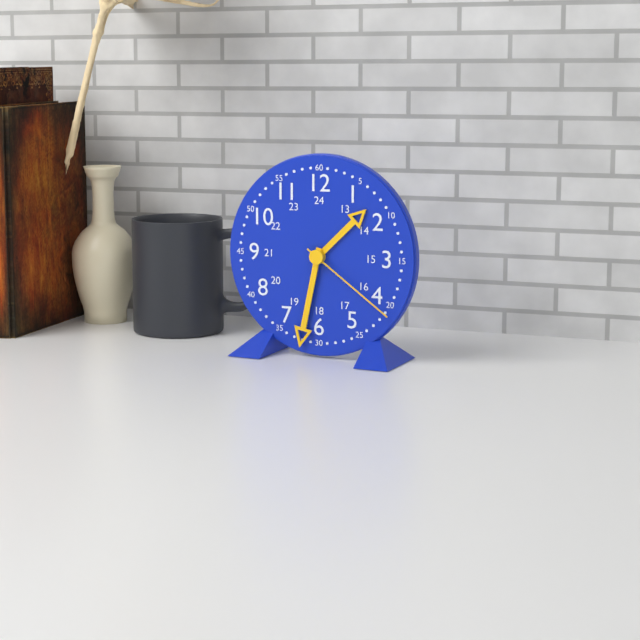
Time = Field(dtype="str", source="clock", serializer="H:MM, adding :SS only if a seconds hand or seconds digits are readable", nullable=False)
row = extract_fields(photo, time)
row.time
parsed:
1:32:21
